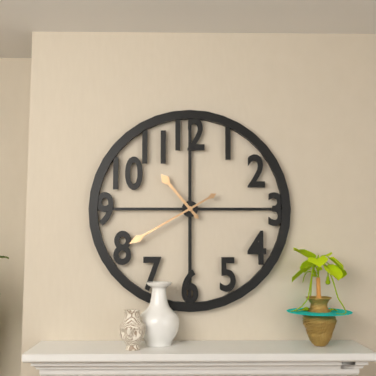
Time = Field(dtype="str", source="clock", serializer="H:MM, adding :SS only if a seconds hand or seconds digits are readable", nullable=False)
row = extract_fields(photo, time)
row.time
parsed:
10:40
